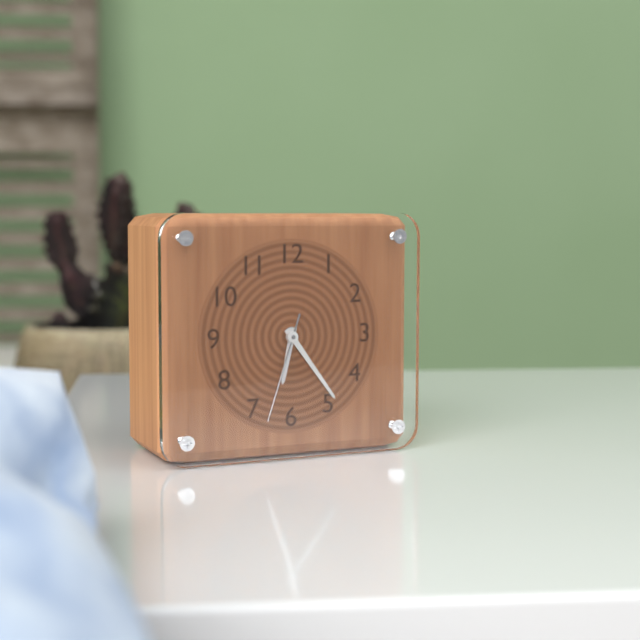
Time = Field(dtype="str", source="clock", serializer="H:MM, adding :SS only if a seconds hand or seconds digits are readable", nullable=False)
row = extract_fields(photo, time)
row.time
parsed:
6:24:33
